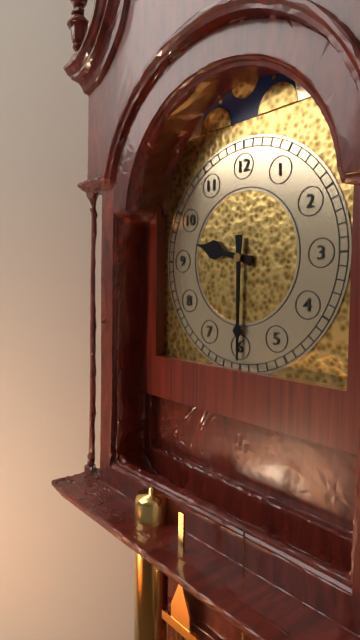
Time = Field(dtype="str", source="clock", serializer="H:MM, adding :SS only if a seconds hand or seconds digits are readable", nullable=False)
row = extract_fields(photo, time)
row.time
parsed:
9:30
